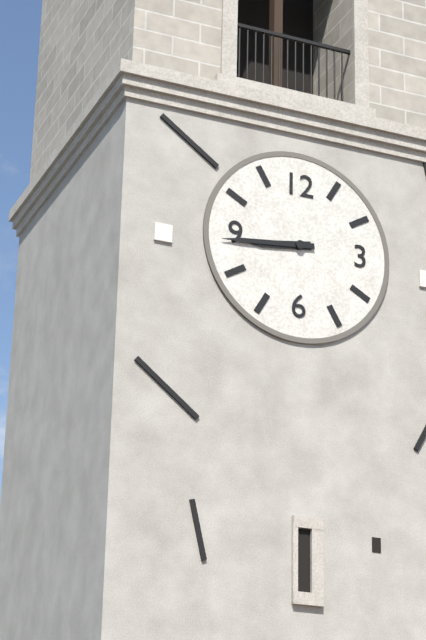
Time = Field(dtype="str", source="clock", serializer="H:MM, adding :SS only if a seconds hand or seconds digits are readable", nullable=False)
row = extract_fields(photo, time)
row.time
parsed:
8:44
